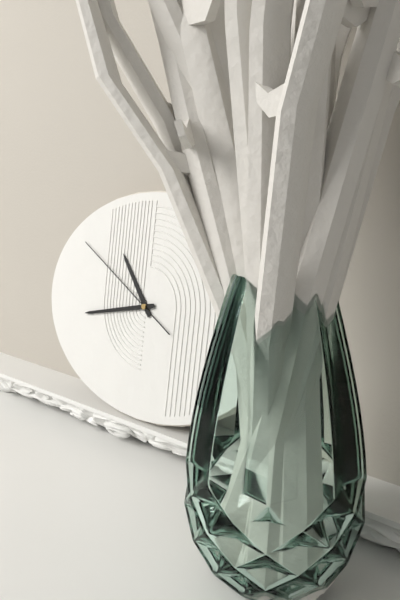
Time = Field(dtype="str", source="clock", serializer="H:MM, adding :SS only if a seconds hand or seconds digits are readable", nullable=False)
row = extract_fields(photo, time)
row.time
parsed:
10:43:50
